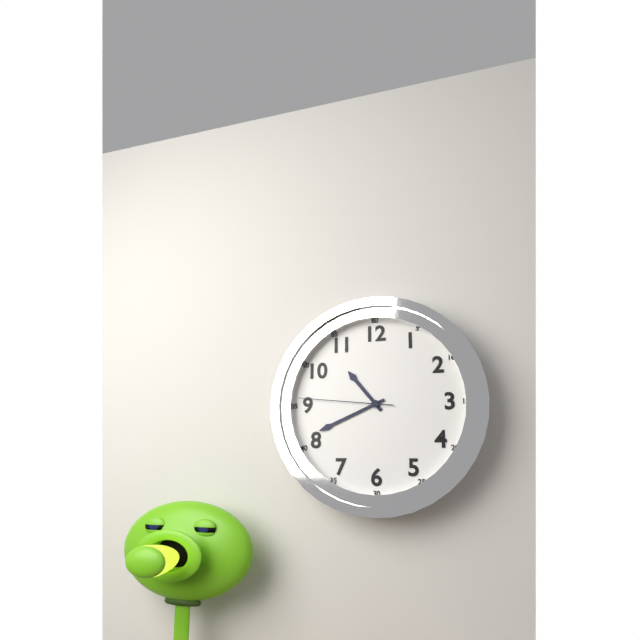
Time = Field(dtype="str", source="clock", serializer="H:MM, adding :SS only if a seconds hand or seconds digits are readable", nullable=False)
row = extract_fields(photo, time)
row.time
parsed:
10:41:46
